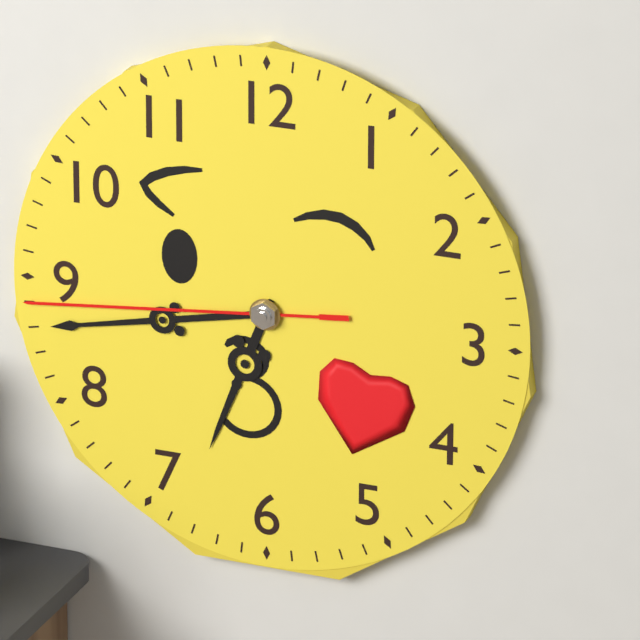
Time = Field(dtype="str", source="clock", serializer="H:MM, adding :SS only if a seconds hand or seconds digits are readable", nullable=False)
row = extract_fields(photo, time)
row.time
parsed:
6:43:44
